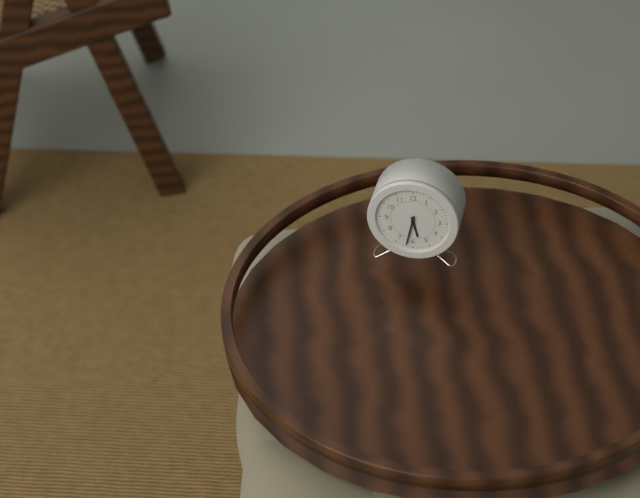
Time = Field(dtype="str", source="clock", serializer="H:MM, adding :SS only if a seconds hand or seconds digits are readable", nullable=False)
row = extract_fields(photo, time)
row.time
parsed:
5:32
